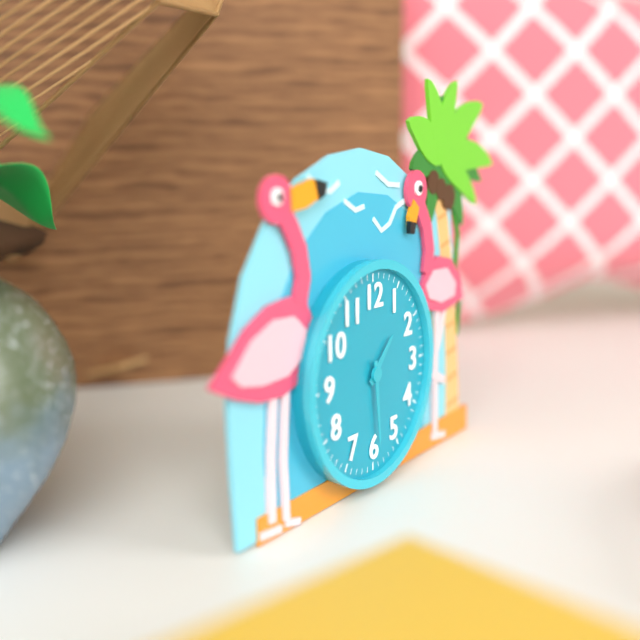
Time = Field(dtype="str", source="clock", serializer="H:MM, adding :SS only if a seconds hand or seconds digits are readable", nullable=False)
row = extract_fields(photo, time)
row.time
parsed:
1:29
